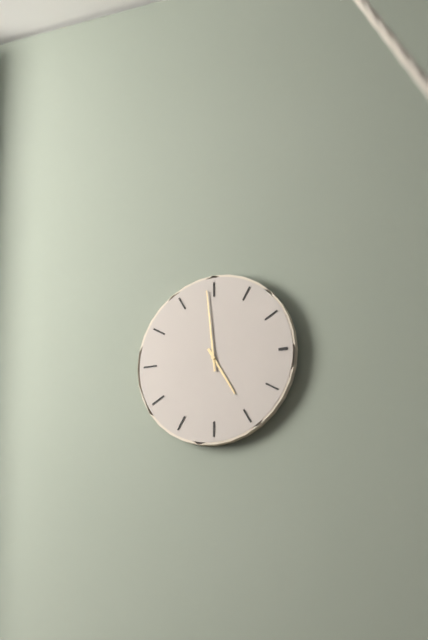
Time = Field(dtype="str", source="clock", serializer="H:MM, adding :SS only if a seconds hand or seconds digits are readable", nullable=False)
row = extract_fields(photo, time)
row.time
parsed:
4:59
